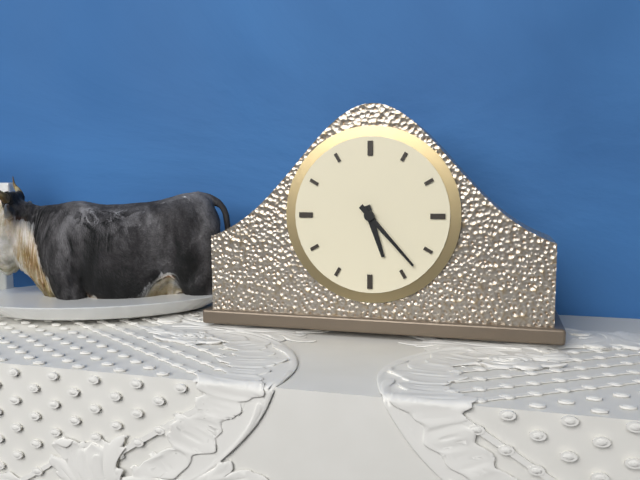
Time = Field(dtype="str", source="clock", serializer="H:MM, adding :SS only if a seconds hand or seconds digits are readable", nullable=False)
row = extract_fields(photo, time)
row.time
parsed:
5:23
